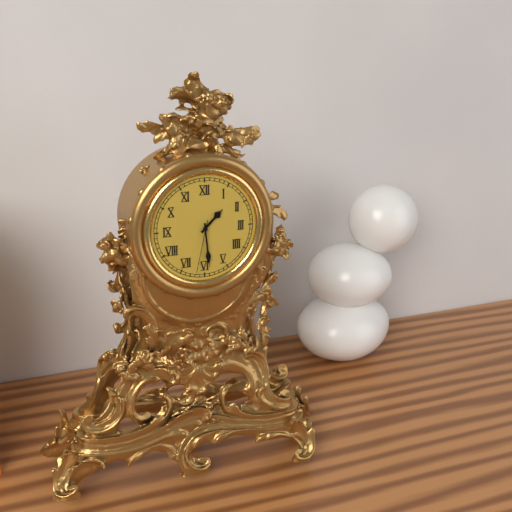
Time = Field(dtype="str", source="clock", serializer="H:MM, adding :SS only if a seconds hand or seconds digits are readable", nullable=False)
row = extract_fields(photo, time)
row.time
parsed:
1:29:32
